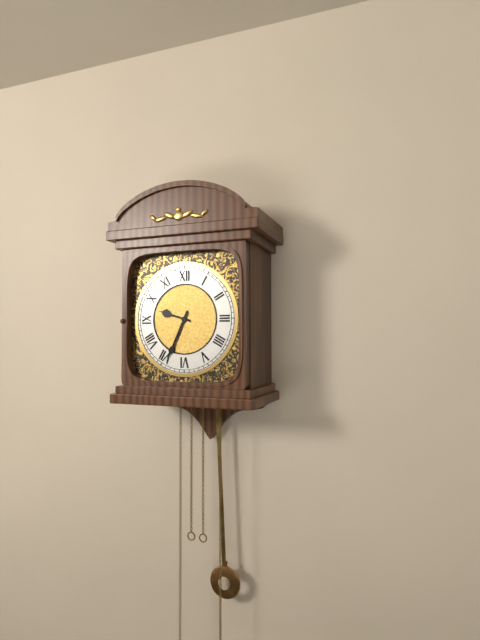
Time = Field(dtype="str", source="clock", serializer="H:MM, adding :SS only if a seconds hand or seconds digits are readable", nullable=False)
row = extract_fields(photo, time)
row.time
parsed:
9:34
